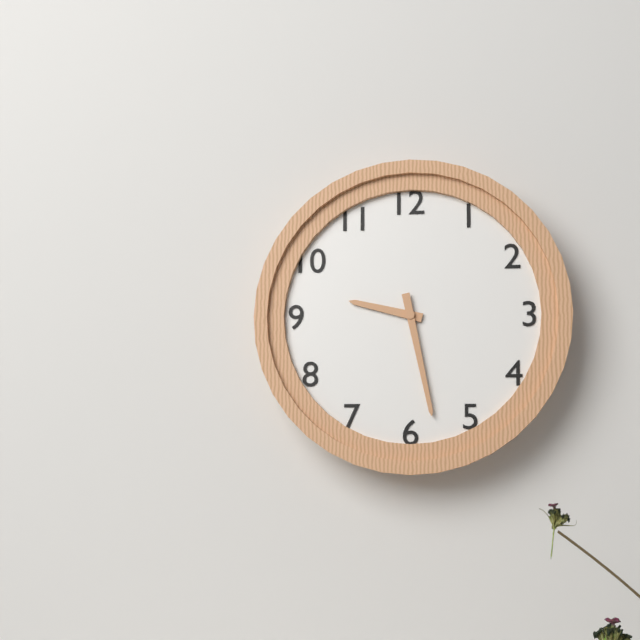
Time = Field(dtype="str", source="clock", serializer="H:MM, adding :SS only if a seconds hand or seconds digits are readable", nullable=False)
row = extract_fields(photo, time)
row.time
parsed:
9:28
